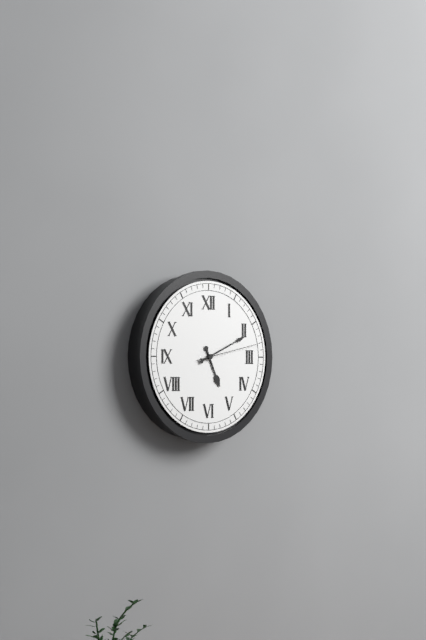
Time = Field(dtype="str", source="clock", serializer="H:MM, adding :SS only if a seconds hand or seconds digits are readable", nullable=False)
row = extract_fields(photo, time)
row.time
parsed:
5:11:13
